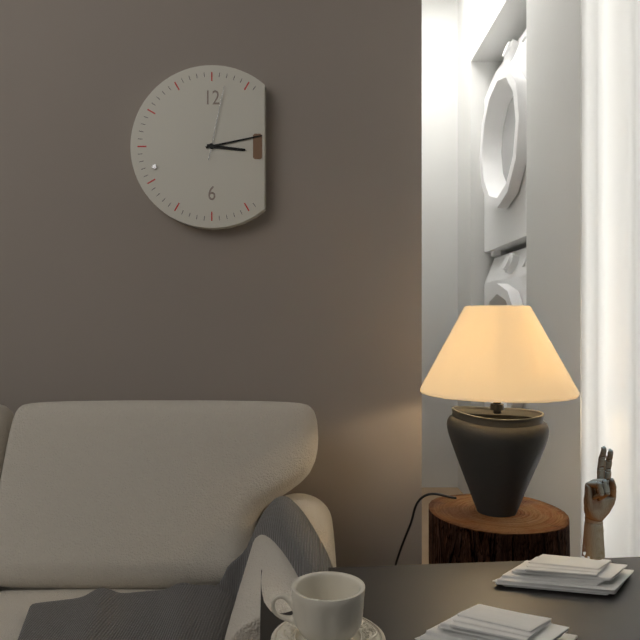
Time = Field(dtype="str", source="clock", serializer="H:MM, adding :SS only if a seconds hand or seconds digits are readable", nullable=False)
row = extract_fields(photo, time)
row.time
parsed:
3:13:02
